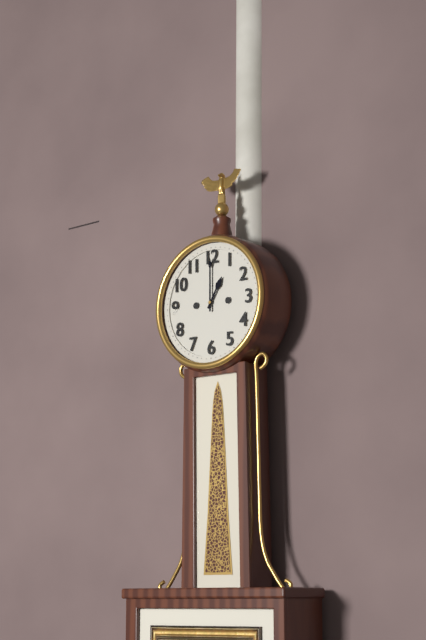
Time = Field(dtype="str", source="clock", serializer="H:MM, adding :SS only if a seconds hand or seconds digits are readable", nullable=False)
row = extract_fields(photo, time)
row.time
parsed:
1:00
